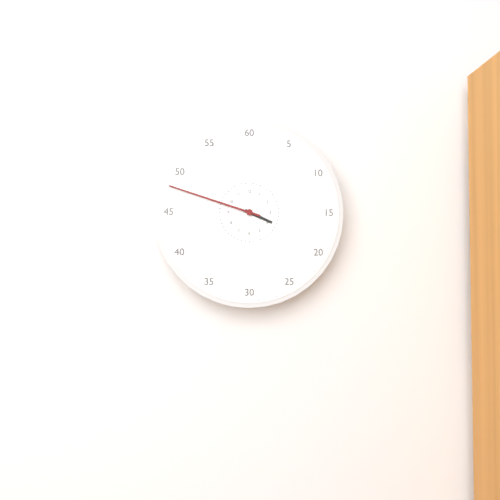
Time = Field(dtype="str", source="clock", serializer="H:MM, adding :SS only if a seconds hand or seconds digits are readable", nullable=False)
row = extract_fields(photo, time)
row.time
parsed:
3:48
